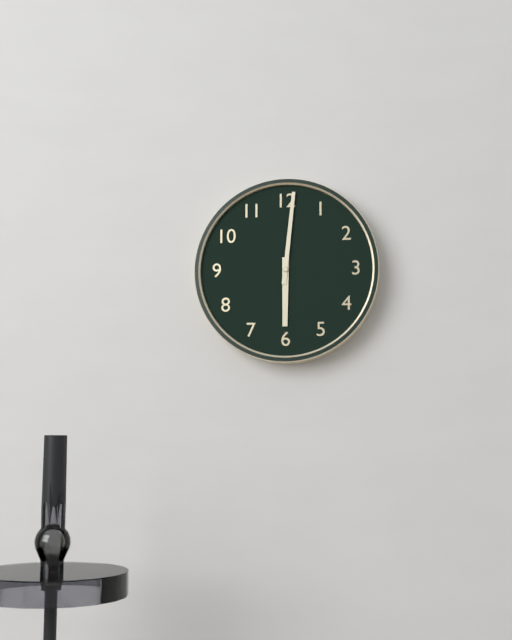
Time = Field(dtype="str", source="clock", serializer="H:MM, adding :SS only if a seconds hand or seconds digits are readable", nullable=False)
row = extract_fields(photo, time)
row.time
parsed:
6:01
